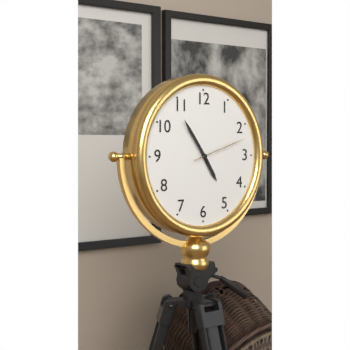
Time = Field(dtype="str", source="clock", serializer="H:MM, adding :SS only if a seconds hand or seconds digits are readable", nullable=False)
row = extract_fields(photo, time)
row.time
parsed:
4:54:12
